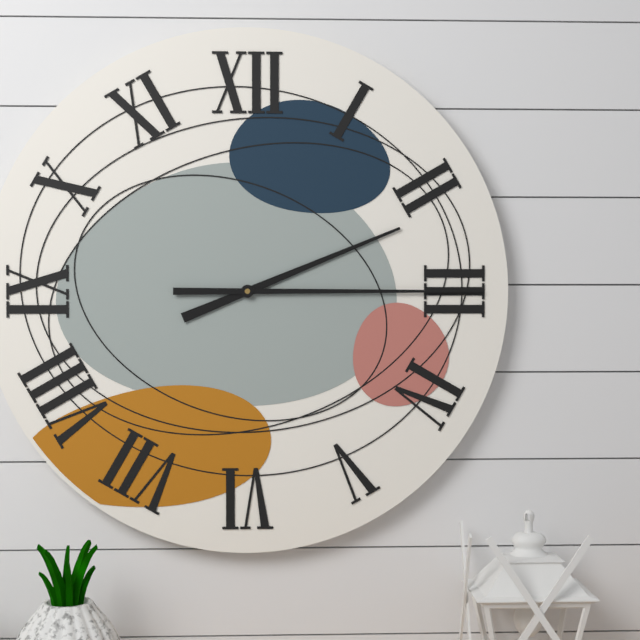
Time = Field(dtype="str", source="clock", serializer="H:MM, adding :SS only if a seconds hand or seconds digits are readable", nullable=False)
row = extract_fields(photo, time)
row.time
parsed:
2:15
